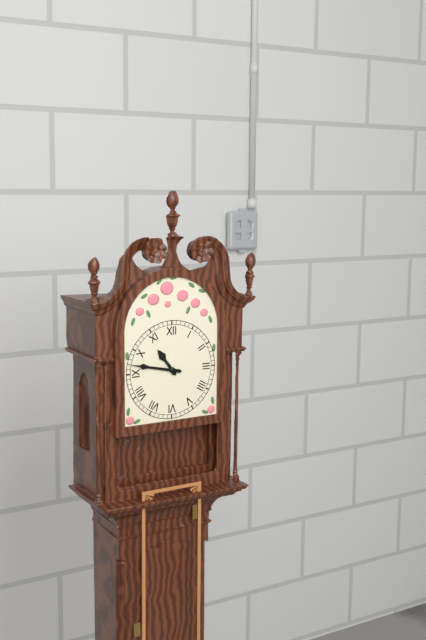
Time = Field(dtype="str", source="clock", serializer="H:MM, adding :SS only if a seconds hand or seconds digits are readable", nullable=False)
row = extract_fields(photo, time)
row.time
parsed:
10:47
